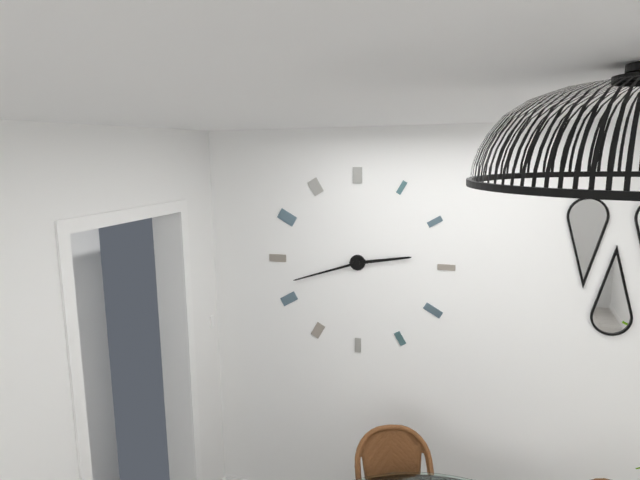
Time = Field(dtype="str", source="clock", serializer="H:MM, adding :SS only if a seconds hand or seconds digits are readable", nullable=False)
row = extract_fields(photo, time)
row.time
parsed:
2:42
